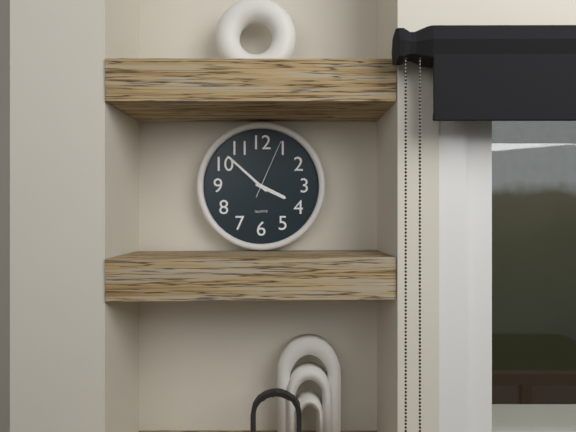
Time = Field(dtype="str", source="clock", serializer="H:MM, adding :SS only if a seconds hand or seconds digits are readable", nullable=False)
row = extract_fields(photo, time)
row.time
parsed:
3:52:04
